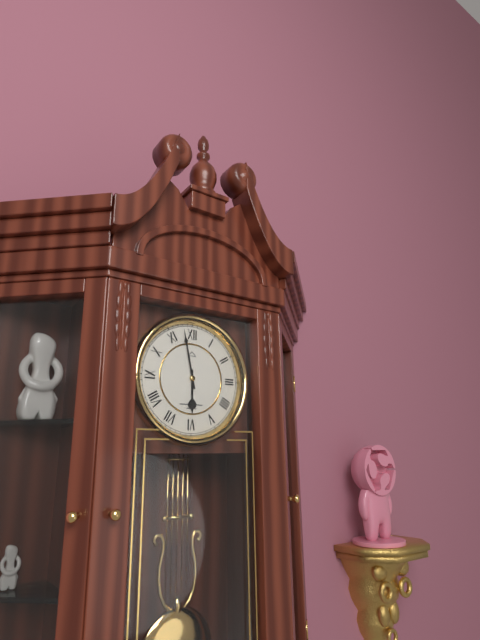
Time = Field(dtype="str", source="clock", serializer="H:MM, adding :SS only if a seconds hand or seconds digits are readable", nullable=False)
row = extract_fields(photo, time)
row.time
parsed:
5:58
